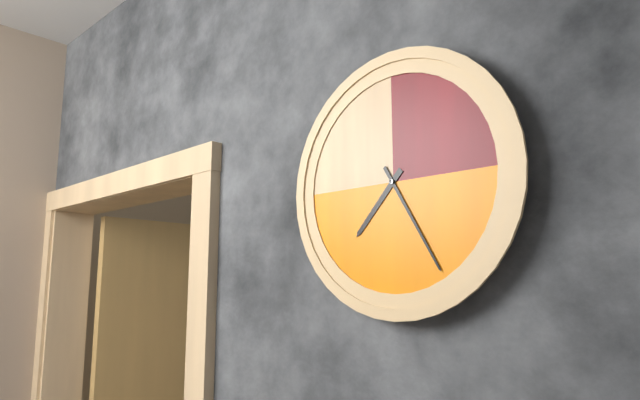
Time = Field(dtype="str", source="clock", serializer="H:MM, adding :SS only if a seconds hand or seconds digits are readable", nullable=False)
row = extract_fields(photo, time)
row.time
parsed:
7:25
